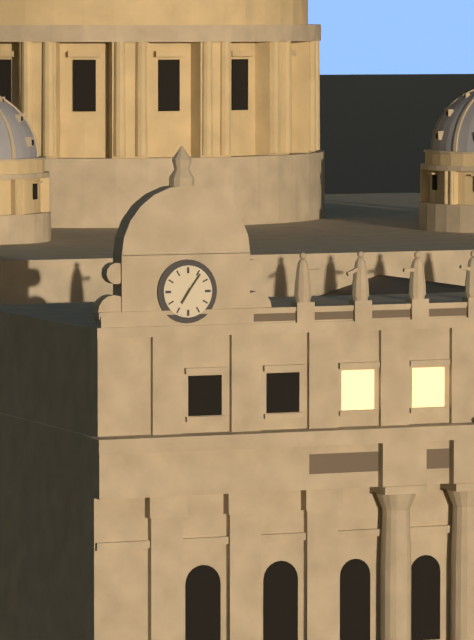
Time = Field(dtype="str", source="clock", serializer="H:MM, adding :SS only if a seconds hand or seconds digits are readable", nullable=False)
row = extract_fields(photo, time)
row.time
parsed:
7:06
